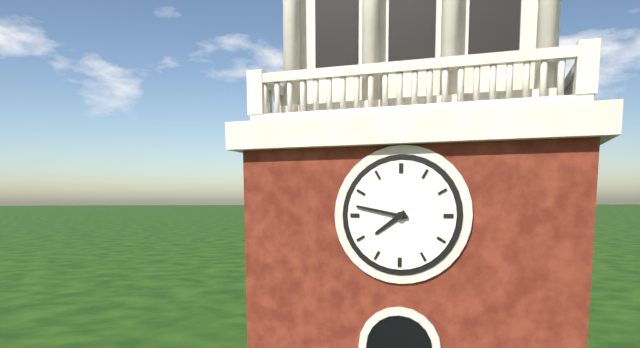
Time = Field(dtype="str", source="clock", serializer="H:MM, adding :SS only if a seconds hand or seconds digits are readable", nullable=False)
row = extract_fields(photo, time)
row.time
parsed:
7:47
